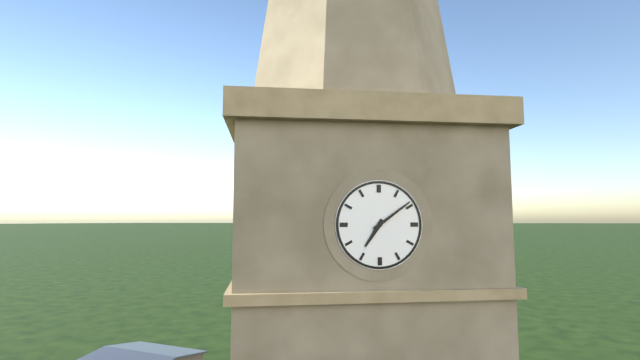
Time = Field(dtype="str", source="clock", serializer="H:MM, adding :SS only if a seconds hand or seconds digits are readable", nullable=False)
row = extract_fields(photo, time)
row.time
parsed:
7:09
